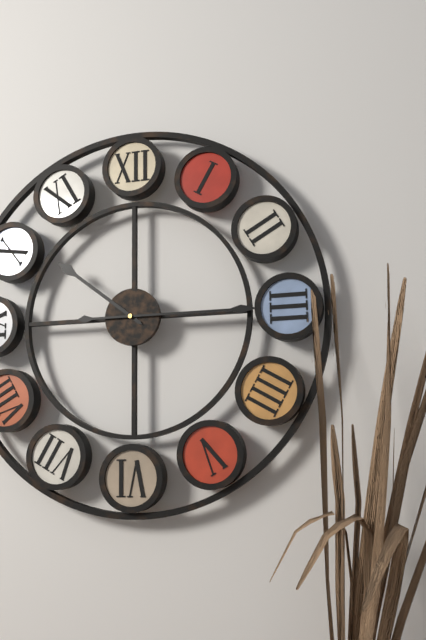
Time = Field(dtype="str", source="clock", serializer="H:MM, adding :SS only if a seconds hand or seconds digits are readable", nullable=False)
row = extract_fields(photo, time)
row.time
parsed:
10:15
